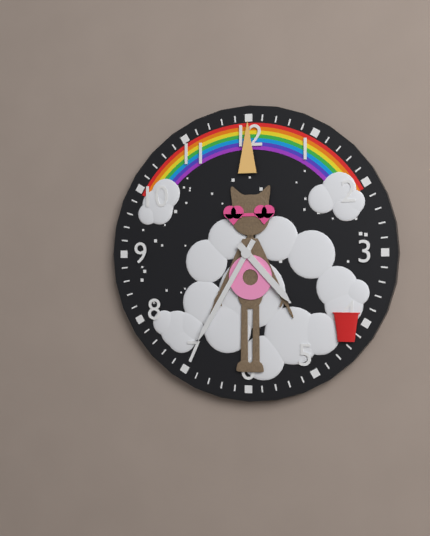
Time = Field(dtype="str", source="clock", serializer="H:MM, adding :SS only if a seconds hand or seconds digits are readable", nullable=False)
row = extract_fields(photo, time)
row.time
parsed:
4:35
